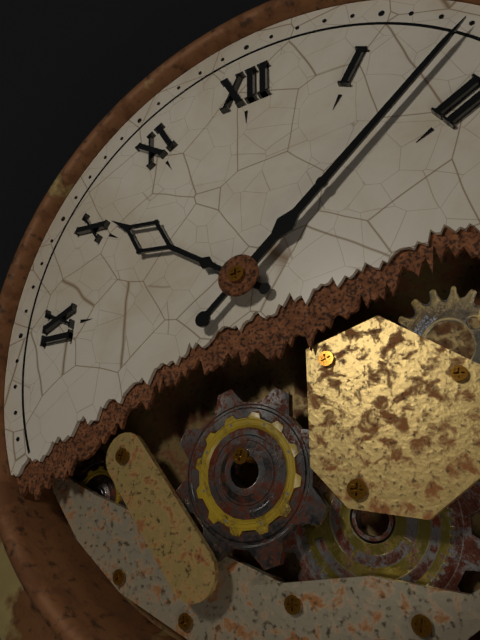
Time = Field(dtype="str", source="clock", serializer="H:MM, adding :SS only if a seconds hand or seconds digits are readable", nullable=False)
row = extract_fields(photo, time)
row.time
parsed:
10:08
